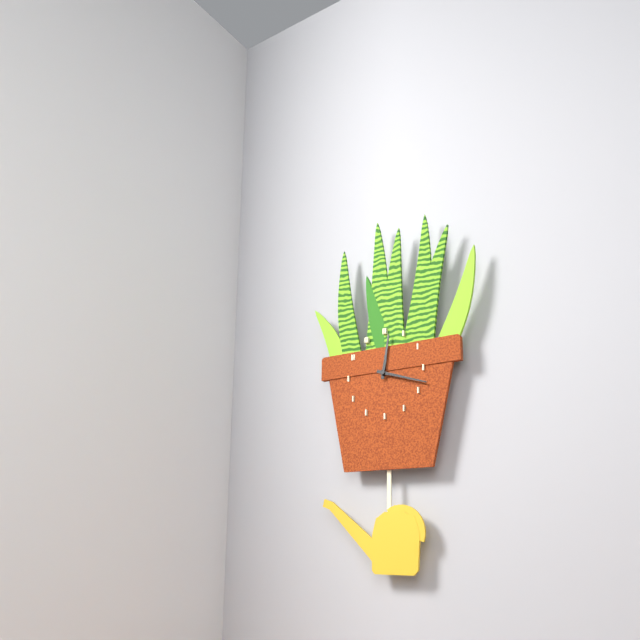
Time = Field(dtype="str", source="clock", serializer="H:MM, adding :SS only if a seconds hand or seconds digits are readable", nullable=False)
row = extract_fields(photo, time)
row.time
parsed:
12:18
